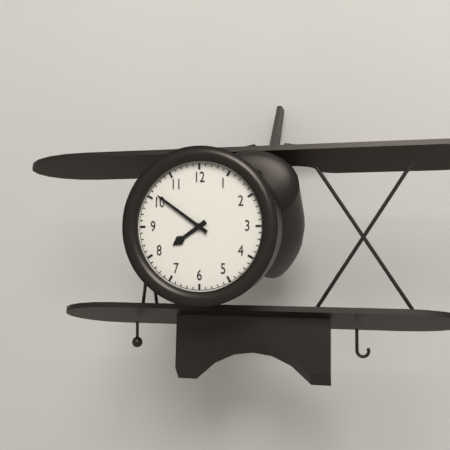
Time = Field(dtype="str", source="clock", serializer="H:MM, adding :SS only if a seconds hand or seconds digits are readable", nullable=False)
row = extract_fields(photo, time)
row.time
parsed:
7:51
